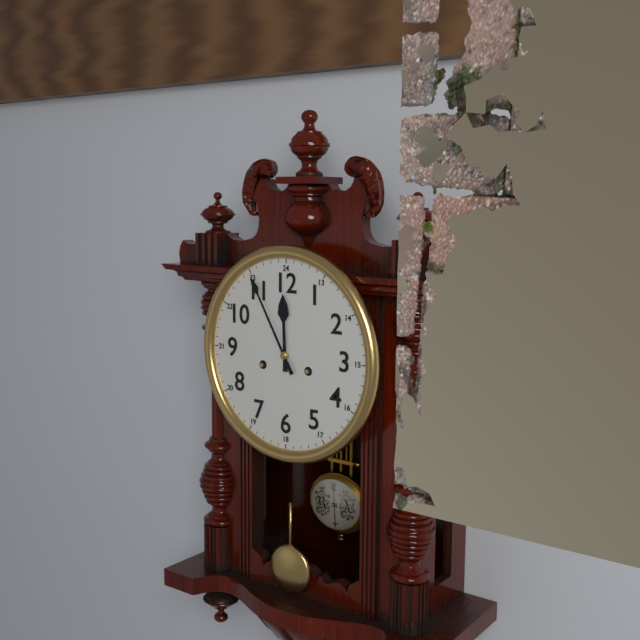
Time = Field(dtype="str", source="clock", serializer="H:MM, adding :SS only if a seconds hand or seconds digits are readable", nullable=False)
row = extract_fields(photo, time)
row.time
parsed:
11:55
